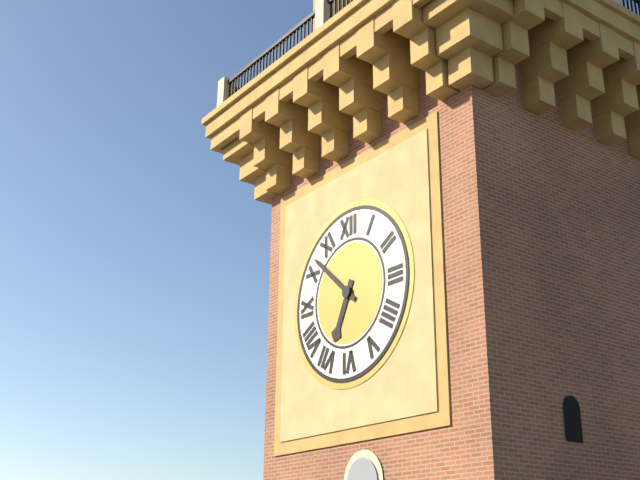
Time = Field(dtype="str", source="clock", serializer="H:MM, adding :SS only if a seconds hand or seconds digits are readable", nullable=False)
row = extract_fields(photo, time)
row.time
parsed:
6:52
